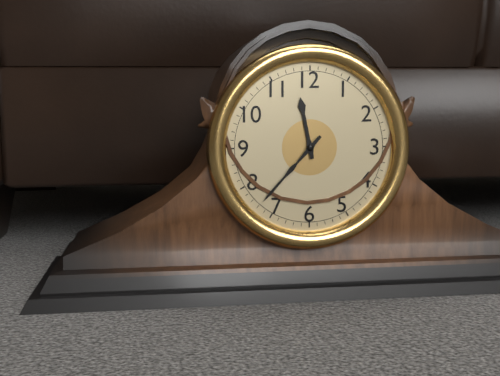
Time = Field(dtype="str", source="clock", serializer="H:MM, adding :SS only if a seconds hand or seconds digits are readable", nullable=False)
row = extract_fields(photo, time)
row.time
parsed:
11:37
